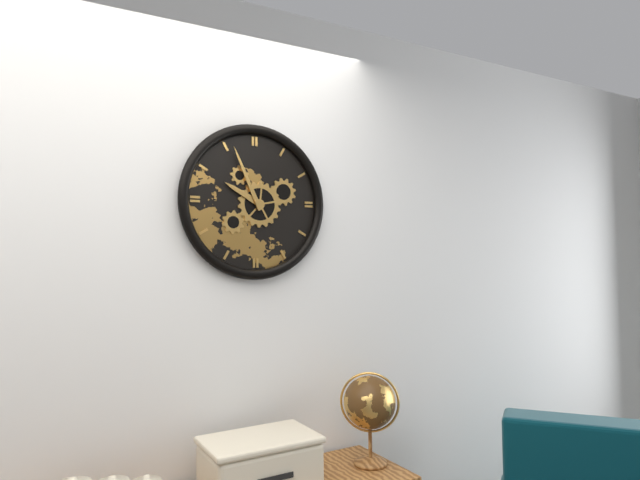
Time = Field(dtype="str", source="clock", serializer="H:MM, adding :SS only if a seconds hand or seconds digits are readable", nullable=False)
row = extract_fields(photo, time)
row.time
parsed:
9:56
